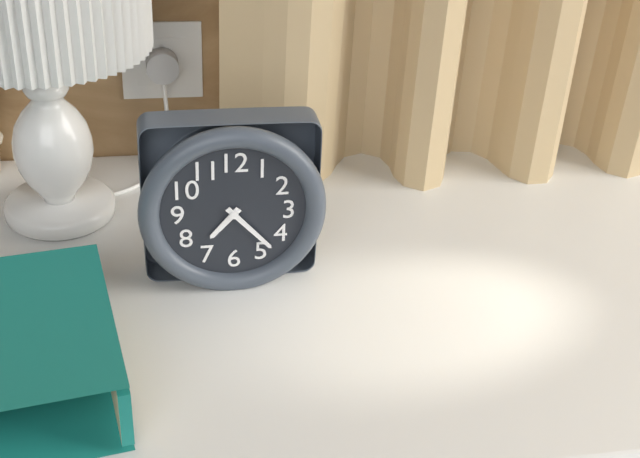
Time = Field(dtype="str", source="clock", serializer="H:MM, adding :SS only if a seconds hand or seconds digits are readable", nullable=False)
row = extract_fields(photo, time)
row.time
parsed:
7:23
